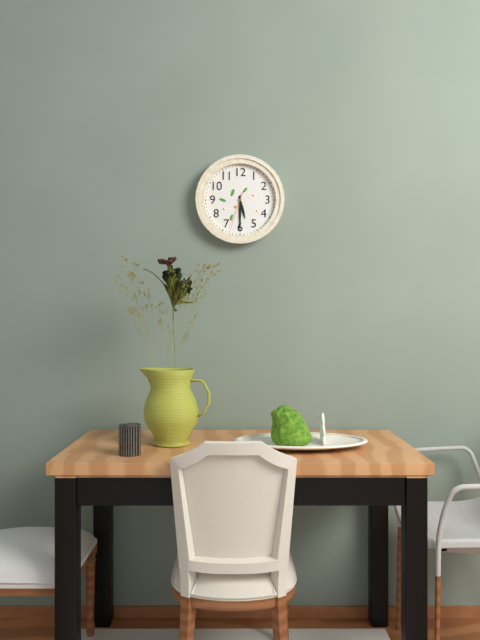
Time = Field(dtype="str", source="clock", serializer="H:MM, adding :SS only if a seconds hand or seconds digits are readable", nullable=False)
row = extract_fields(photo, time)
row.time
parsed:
5:30
